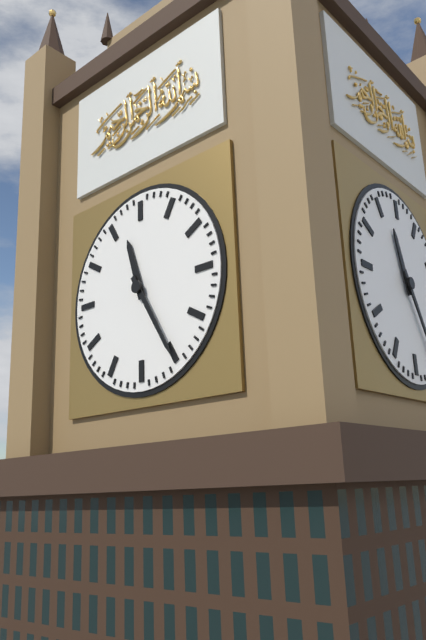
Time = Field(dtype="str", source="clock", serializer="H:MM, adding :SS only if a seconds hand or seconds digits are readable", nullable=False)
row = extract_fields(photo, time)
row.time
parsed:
11:25
